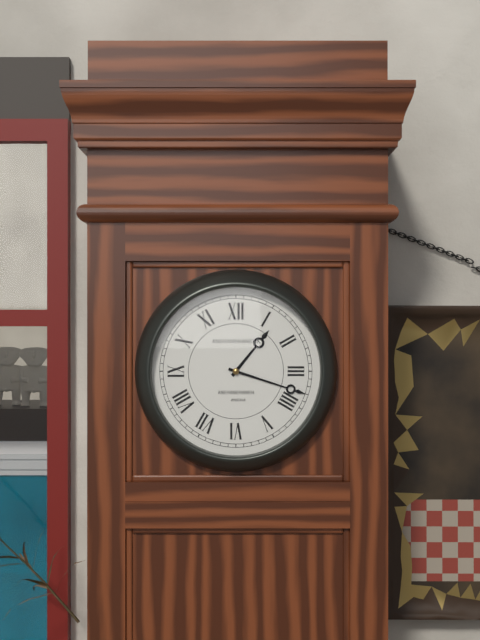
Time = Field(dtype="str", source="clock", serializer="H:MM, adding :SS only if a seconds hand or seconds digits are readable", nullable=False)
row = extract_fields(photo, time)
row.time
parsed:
1:18
